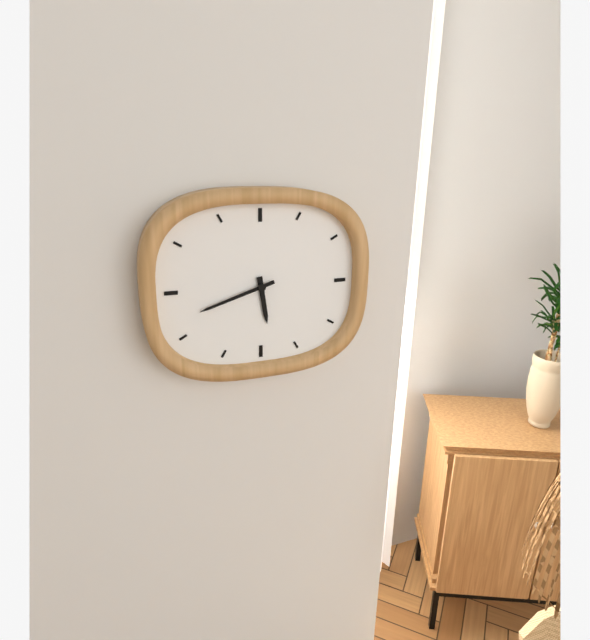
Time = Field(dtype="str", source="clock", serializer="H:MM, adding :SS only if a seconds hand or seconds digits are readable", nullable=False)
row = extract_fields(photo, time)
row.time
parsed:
5:42
